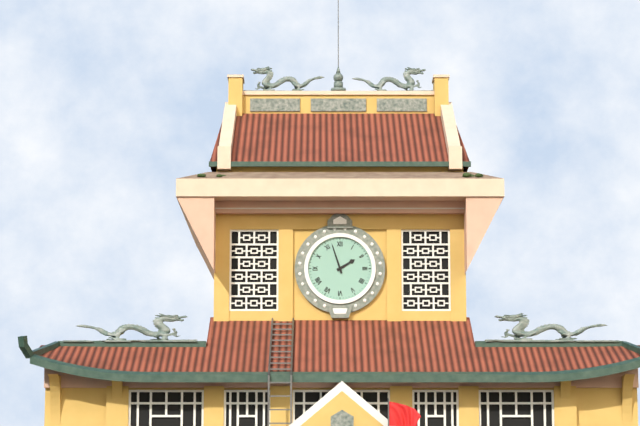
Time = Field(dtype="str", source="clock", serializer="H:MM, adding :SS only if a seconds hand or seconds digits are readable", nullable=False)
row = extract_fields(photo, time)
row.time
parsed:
1:57
